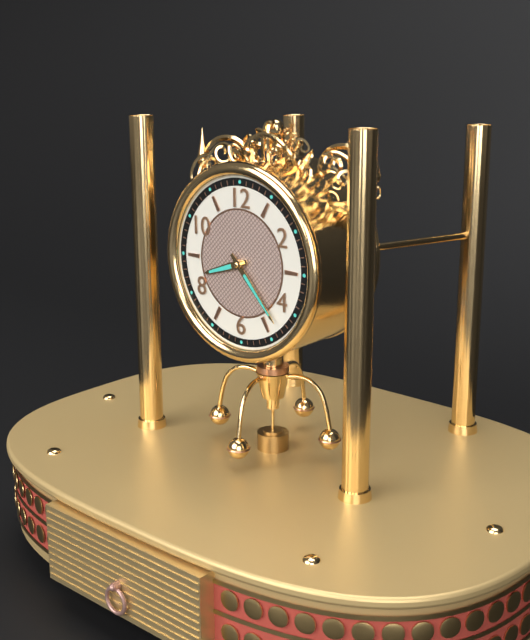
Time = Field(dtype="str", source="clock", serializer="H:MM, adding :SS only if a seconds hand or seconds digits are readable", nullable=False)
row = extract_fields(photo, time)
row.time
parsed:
8:23
